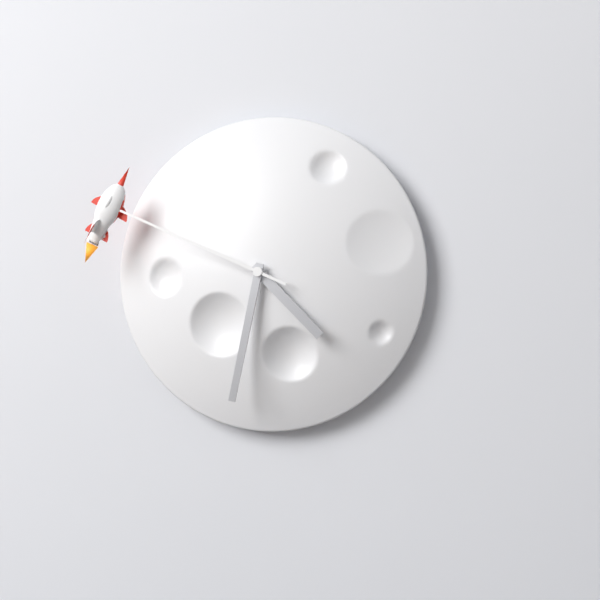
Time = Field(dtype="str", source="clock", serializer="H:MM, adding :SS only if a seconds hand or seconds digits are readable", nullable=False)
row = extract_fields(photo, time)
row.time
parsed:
4:32:49
